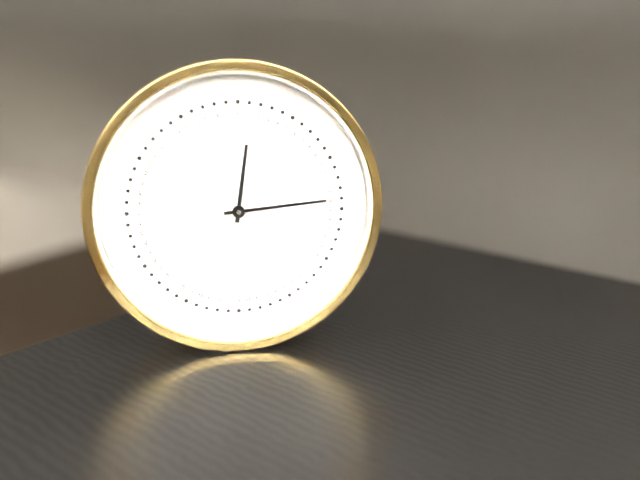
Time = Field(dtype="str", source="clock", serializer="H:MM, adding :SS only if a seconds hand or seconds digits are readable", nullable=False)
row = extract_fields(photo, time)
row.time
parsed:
12:14
